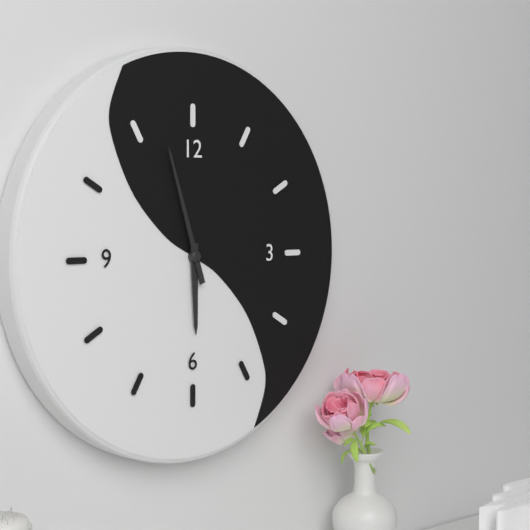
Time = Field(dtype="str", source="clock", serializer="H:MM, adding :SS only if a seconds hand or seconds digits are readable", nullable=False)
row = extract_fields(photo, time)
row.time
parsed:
5:57
